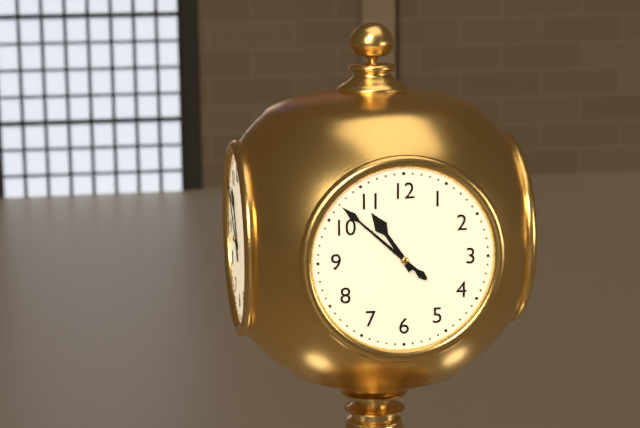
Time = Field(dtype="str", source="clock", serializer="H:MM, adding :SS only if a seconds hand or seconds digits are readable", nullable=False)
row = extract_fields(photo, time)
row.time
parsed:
10:52
